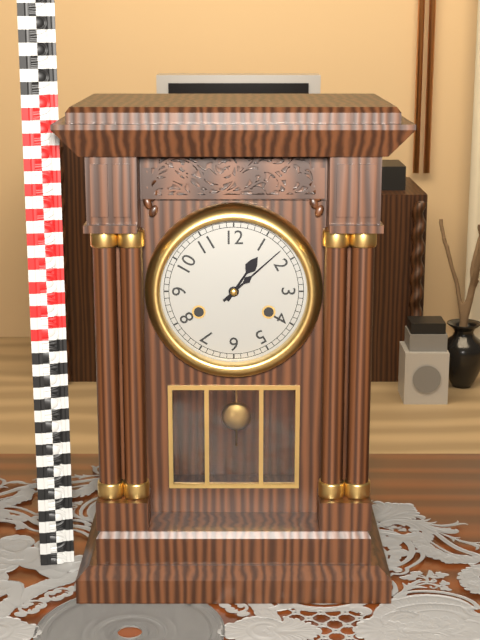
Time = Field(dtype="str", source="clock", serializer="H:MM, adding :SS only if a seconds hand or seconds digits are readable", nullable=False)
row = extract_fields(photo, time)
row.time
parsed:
1:08
